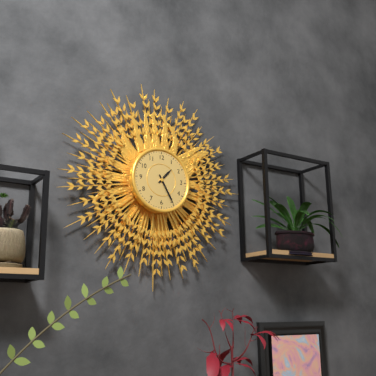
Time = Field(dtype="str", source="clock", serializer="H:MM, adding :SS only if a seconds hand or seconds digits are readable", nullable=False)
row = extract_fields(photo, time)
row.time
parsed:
1:25
